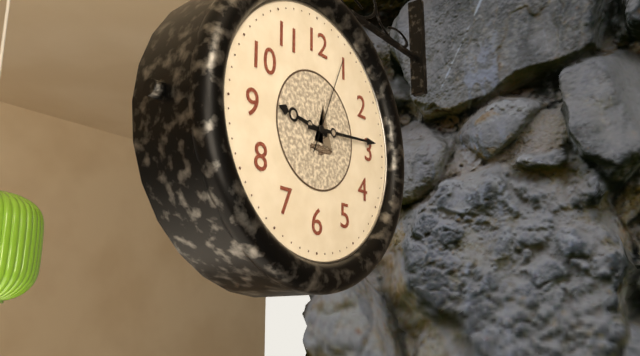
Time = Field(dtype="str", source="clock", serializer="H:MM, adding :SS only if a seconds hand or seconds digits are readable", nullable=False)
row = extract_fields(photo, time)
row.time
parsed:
9:14:04
